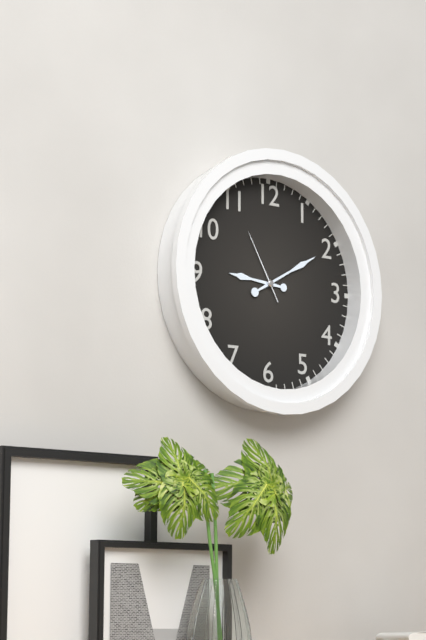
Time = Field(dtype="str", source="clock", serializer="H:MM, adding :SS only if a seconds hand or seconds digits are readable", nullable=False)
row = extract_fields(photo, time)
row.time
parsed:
9:10:55
